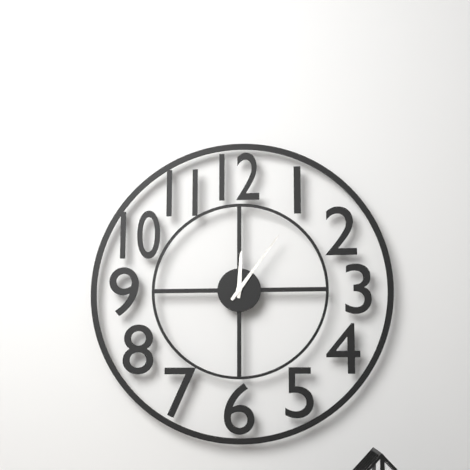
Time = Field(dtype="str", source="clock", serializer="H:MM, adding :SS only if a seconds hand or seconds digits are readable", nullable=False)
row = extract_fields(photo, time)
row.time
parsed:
12:06
